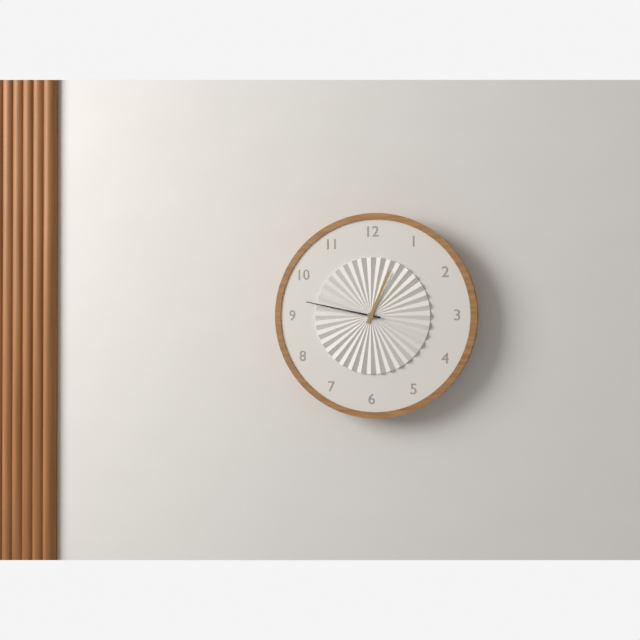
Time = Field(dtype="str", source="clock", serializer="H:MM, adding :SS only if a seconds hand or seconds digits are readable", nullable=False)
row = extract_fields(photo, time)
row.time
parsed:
12:47
